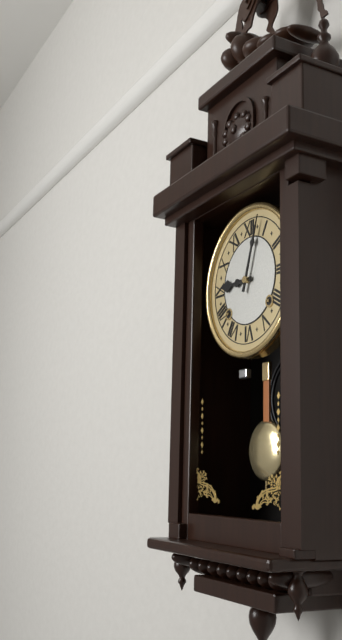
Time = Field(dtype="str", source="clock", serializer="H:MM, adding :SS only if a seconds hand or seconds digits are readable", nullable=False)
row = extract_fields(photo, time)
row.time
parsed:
9:03
